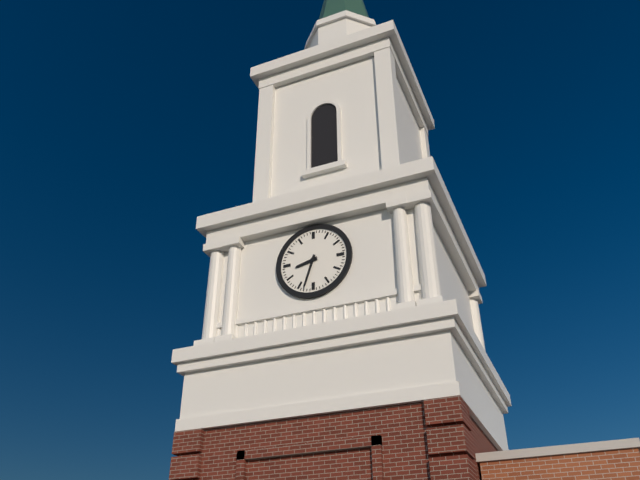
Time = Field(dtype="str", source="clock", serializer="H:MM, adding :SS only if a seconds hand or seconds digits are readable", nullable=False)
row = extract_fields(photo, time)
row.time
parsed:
8:33
